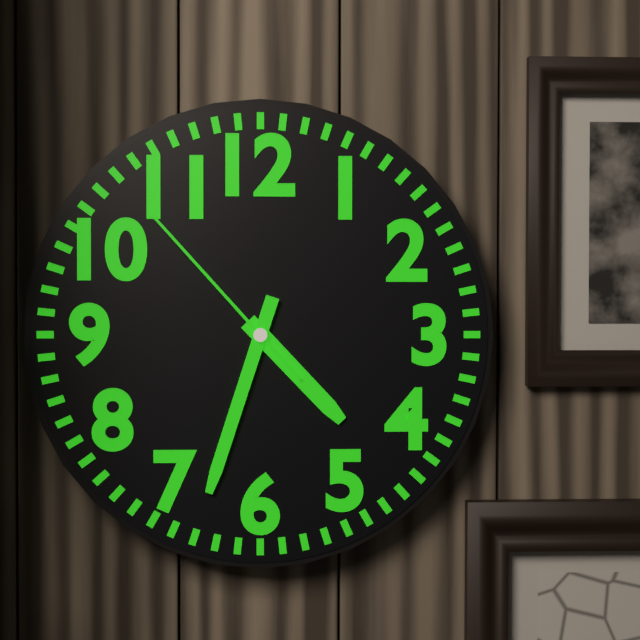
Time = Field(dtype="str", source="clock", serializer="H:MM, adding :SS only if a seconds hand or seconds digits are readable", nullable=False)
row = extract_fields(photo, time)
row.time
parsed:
4:33:53
